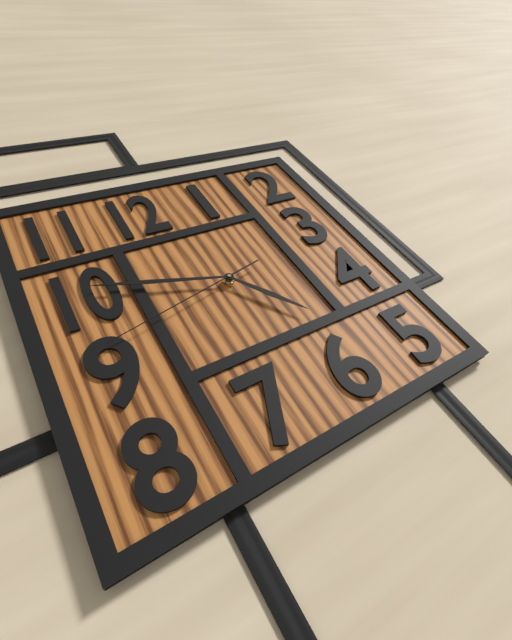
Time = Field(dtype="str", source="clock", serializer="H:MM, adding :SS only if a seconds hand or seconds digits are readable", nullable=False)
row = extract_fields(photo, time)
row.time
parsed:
4:48:43
